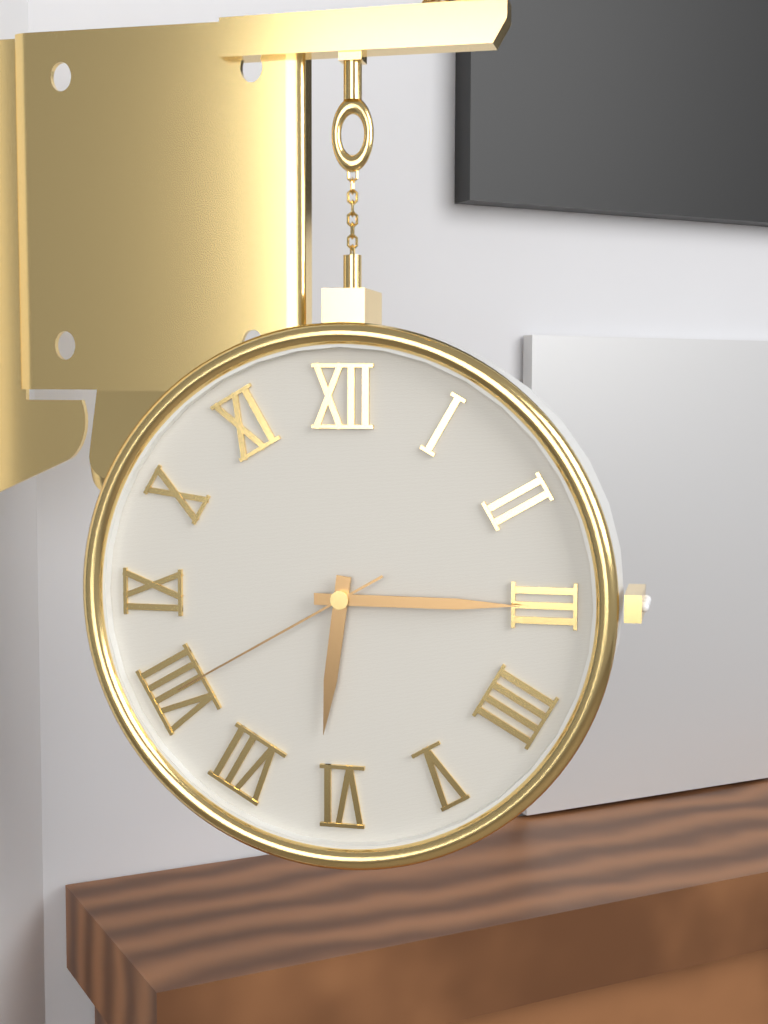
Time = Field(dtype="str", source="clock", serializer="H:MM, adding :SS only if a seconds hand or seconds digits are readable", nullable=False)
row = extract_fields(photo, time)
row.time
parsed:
6:15:40
